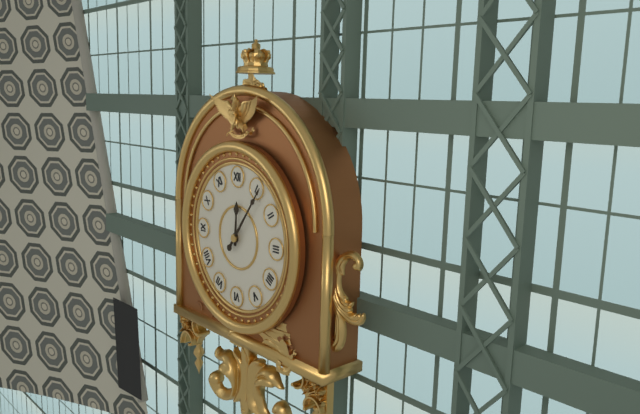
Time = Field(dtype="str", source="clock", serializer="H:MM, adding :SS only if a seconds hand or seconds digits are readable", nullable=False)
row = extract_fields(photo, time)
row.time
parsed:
12:06
